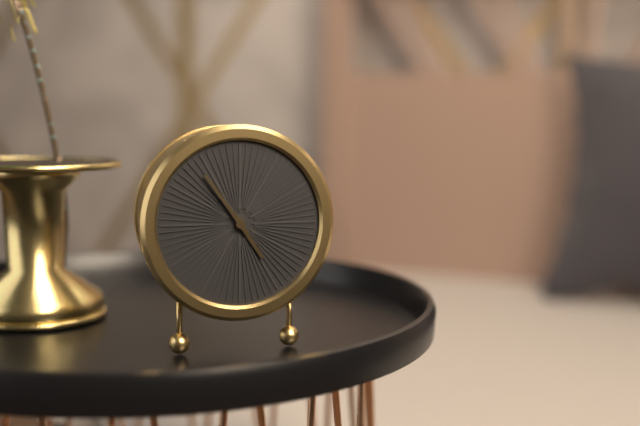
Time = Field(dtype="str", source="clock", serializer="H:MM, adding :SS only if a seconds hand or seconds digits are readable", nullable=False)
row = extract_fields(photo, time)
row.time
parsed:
4:54
